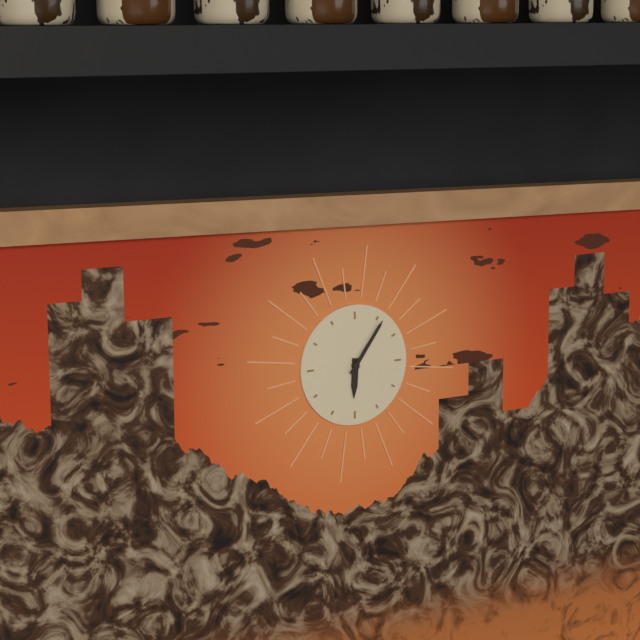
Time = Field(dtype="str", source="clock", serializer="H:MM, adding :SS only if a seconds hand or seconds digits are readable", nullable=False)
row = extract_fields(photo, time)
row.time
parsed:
6:06
